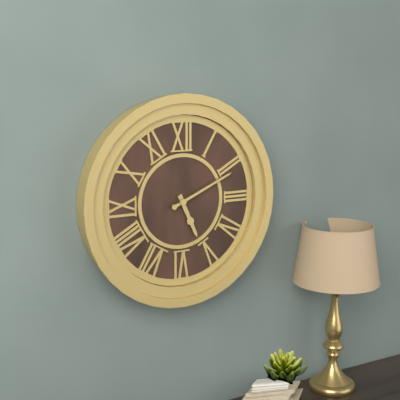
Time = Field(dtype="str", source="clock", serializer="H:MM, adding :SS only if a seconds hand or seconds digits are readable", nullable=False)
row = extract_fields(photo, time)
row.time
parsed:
5:11
